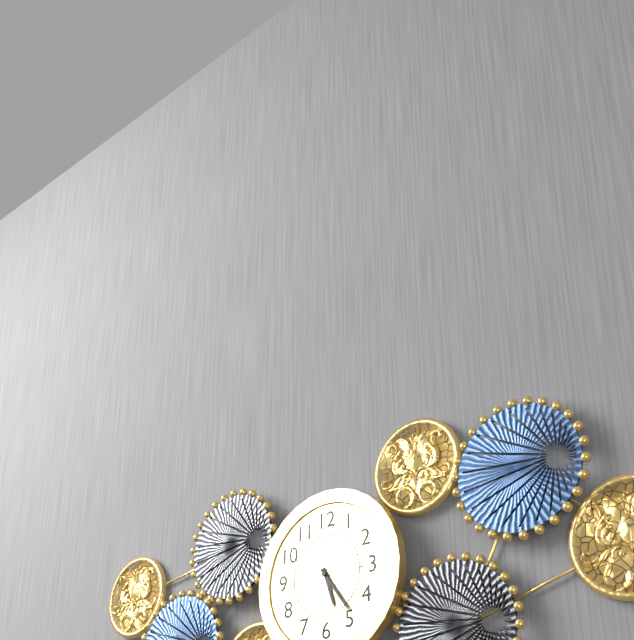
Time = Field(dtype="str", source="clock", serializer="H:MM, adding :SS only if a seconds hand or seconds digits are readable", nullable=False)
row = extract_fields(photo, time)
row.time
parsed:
5:24:44
